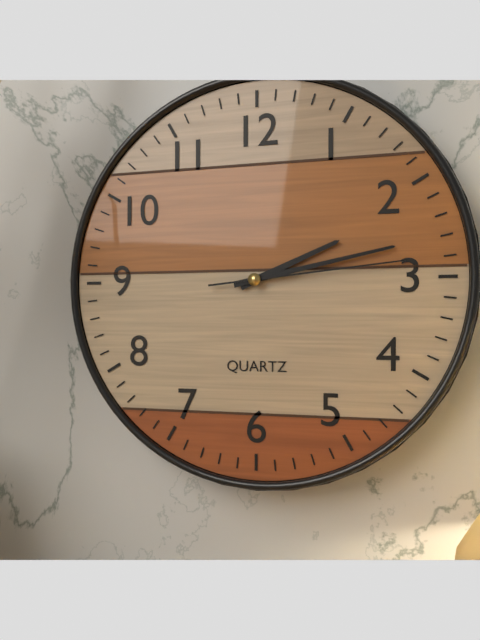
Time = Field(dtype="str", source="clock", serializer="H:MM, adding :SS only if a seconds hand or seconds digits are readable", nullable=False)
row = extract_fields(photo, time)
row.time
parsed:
2:13:14
